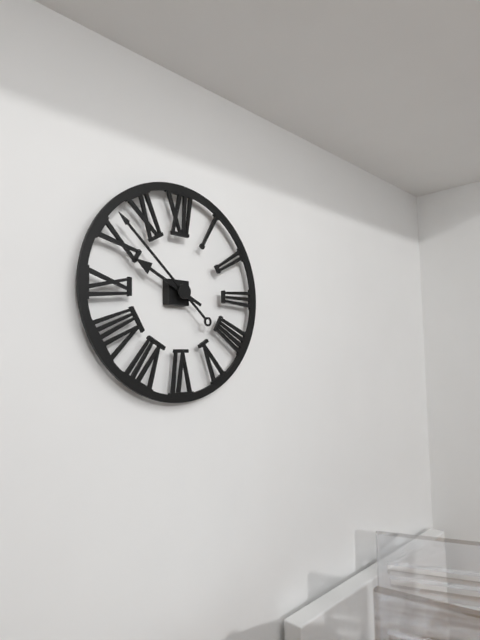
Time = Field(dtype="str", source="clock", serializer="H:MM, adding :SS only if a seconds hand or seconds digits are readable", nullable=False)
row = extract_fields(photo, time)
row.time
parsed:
9:52
